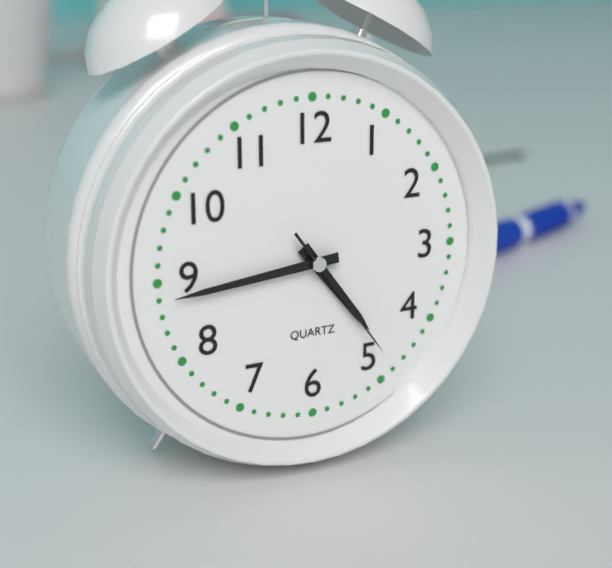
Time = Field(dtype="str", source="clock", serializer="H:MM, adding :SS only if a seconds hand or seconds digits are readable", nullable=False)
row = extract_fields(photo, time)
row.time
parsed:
4:44:24
